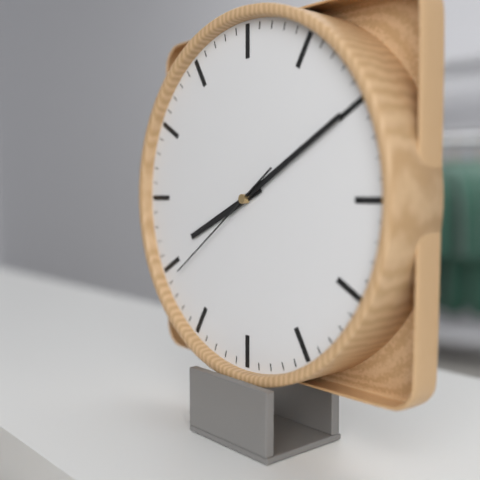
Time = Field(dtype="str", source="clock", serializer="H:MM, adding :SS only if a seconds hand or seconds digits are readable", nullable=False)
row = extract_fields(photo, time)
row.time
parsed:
8:10:39
